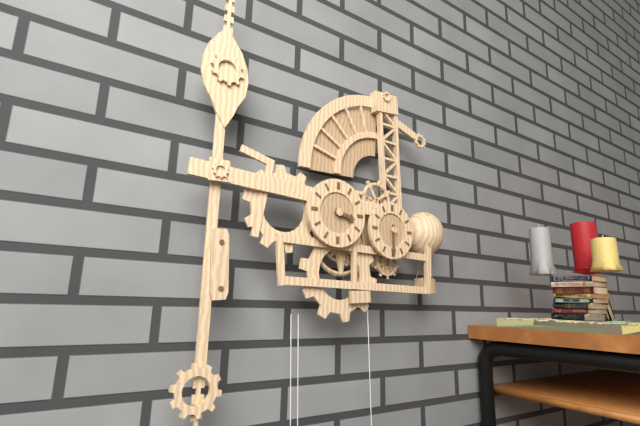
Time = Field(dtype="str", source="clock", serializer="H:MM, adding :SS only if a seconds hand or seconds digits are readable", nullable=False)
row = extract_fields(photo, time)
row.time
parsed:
3:30
